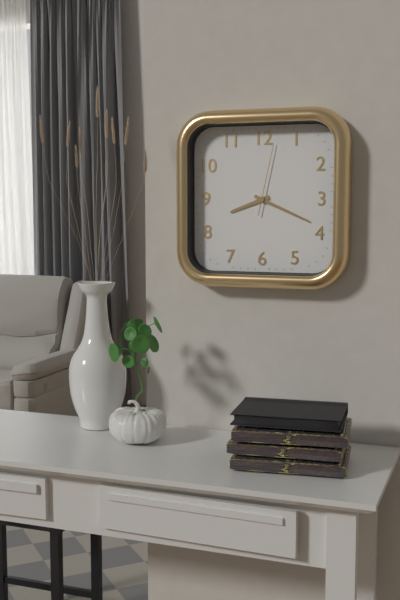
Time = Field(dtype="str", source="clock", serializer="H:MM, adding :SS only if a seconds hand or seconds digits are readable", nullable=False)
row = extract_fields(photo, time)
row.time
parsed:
8:19:02
